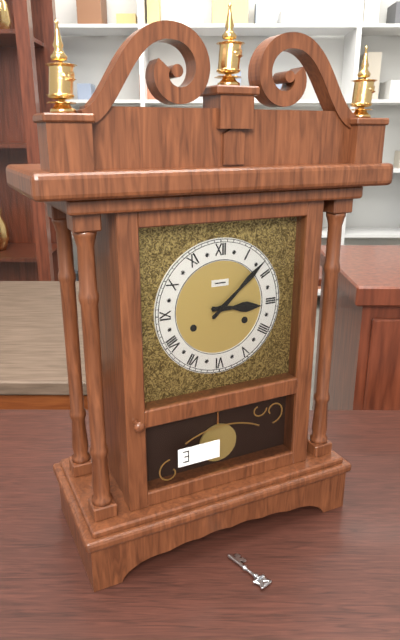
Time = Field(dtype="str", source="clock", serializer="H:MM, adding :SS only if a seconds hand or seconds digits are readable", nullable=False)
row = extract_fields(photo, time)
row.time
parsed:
3:08
